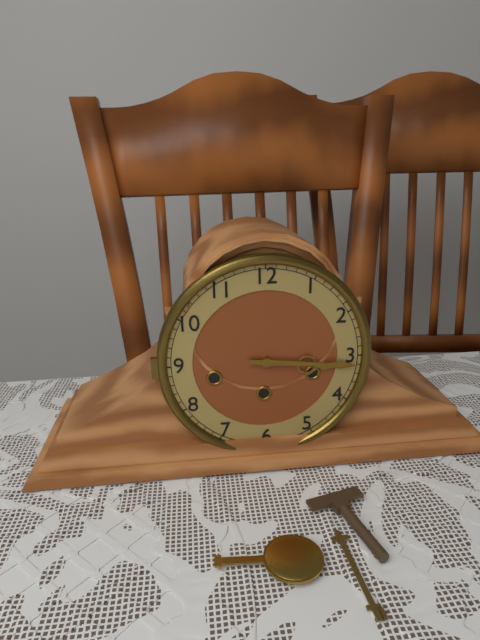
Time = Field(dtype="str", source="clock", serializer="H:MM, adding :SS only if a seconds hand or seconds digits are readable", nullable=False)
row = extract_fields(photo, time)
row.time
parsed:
3:16
